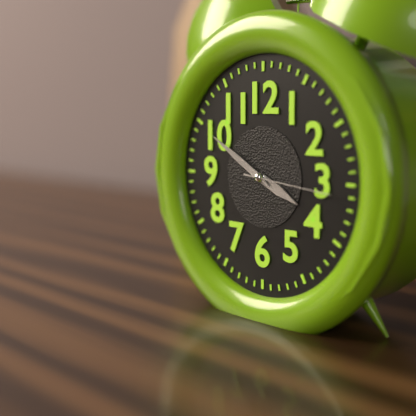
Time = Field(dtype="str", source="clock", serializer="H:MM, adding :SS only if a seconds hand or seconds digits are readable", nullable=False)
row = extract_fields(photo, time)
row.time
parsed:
3:50:16
